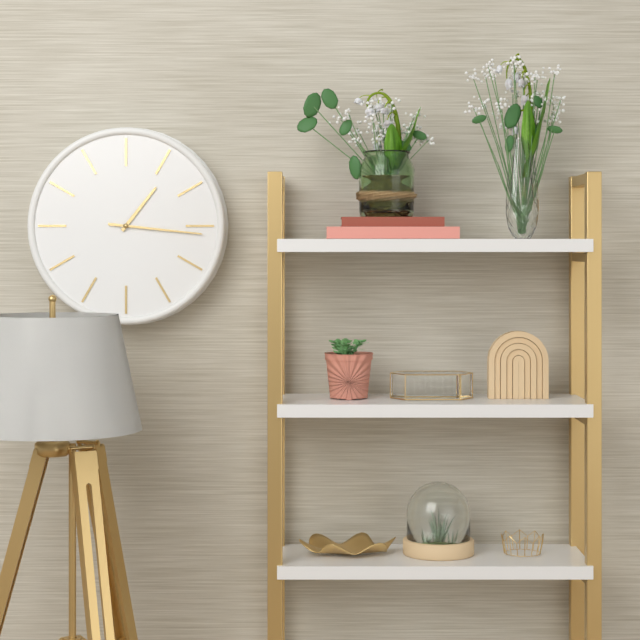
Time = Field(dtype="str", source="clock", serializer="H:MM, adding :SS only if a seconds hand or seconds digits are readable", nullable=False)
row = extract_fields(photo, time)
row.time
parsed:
1:16
